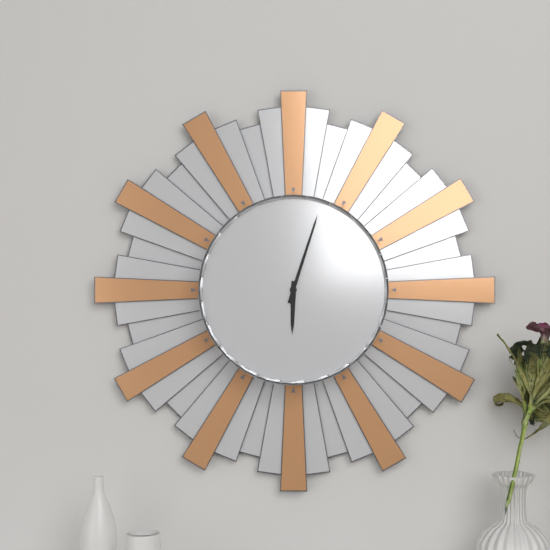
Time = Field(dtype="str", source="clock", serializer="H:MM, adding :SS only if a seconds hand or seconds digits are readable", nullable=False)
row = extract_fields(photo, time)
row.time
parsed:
6:03
